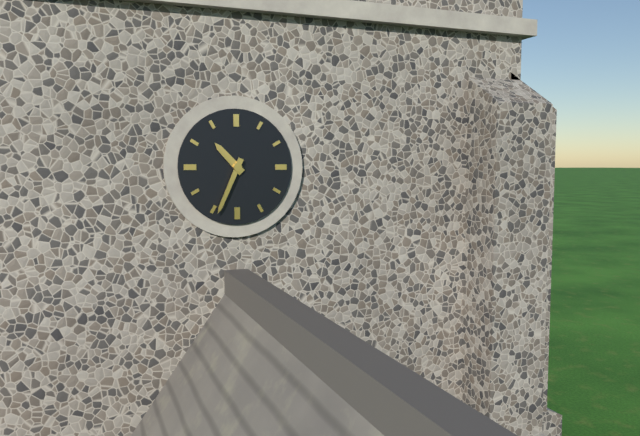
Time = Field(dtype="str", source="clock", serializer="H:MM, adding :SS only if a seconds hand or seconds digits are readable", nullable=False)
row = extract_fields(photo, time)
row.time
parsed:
10:34
